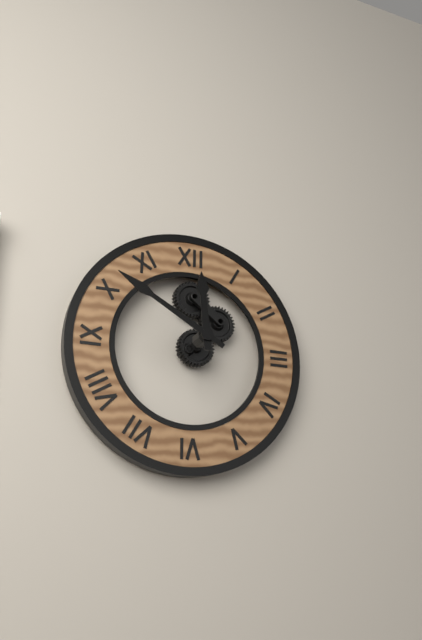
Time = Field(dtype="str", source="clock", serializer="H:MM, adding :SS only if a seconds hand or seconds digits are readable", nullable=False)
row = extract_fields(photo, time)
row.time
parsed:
11:50
